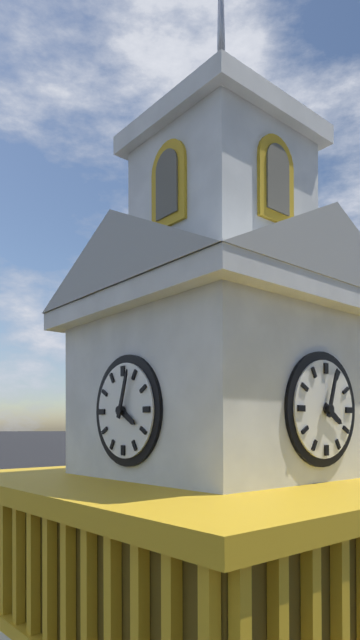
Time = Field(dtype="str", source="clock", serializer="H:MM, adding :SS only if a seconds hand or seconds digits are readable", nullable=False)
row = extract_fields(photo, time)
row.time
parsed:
4:03
